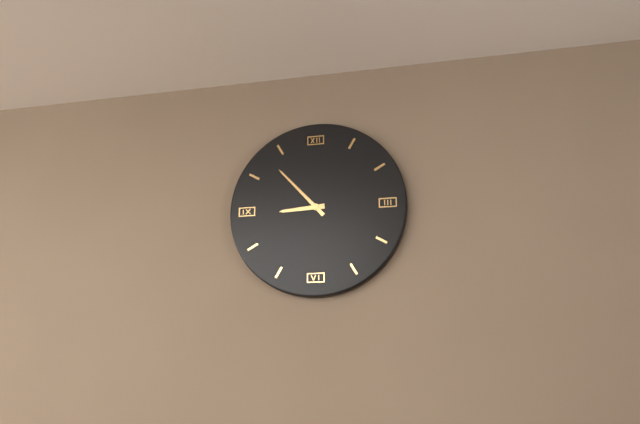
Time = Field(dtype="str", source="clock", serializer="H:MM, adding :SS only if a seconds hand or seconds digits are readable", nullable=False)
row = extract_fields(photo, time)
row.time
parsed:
8:53
